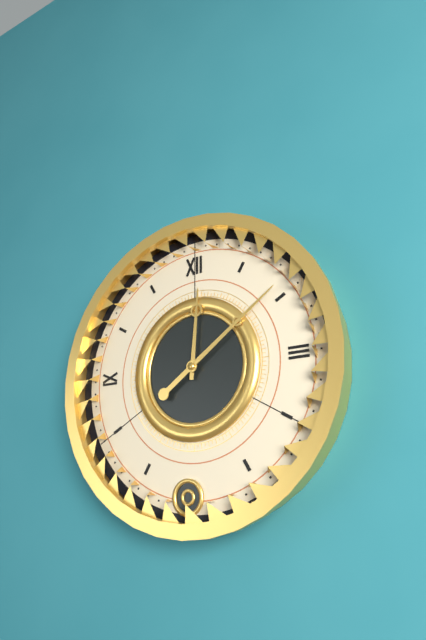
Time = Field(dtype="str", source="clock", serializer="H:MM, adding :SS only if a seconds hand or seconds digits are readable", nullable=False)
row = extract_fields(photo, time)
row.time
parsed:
12:09
